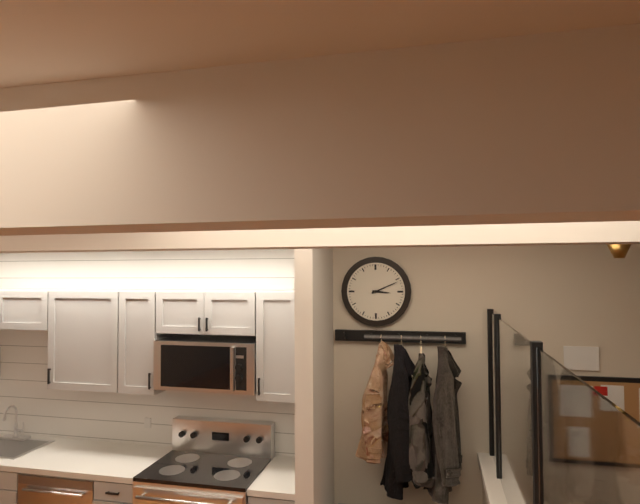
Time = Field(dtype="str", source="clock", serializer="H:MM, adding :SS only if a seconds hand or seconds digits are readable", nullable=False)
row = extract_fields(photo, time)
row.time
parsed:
3:11
